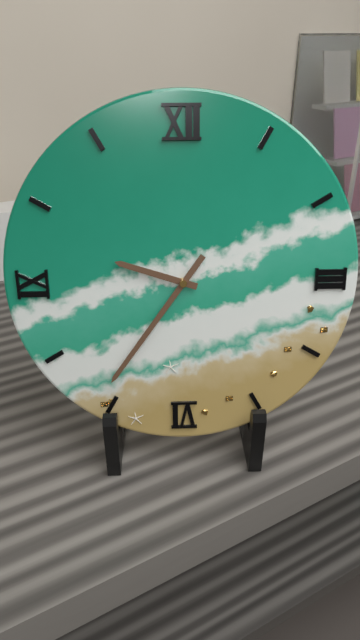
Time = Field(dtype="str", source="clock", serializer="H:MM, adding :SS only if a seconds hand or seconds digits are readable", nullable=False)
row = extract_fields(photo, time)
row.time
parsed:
9:36
